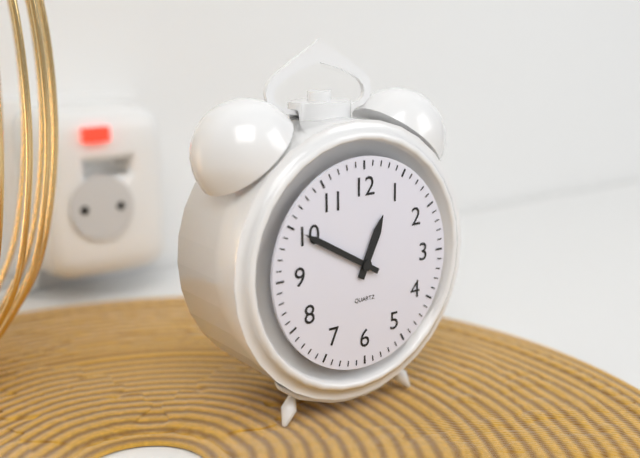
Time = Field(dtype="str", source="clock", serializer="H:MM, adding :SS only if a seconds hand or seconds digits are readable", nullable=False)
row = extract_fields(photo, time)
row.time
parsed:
12:50
